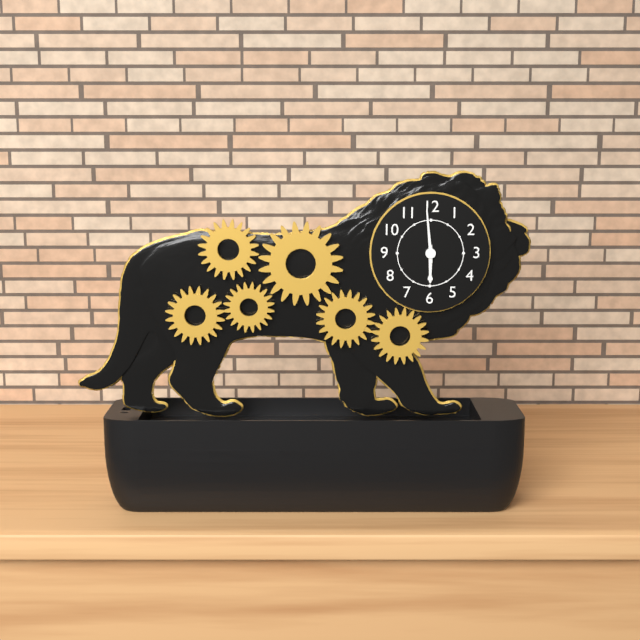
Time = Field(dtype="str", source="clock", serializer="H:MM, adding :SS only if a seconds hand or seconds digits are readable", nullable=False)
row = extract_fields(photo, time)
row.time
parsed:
5:59
